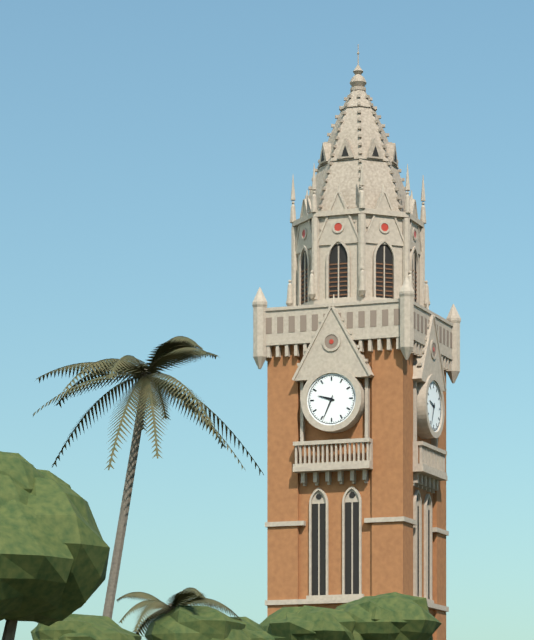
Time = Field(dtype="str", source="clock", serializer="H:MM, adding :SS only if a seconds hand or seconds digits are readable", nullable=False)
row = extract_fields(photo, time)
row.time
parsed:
9:34
